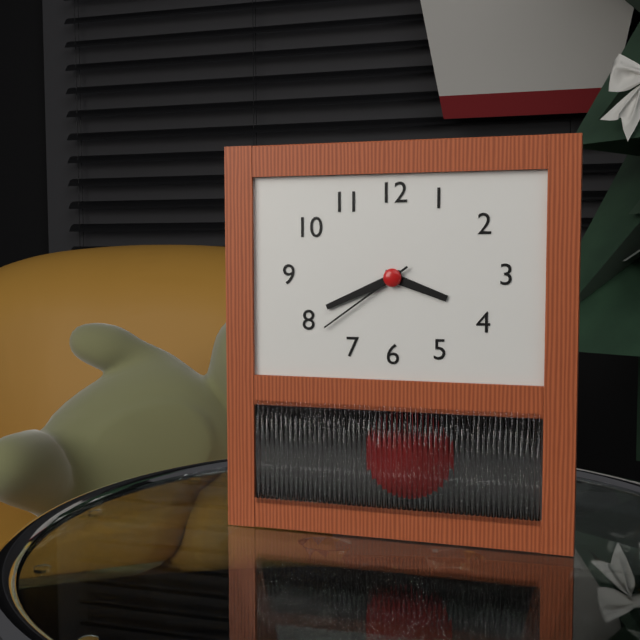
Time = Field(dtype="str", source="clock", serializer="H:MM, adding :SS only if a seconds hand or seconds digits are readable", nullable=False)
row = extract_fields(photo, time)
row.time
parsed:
3:41:39
